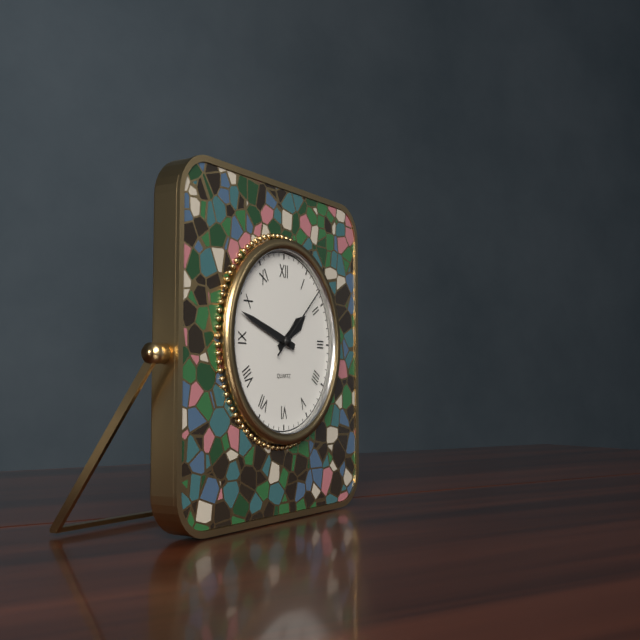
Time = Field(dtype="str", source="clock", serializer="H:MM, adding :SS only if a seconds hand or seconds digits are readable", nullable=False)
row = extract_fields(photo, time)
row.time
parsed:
1:48:08
